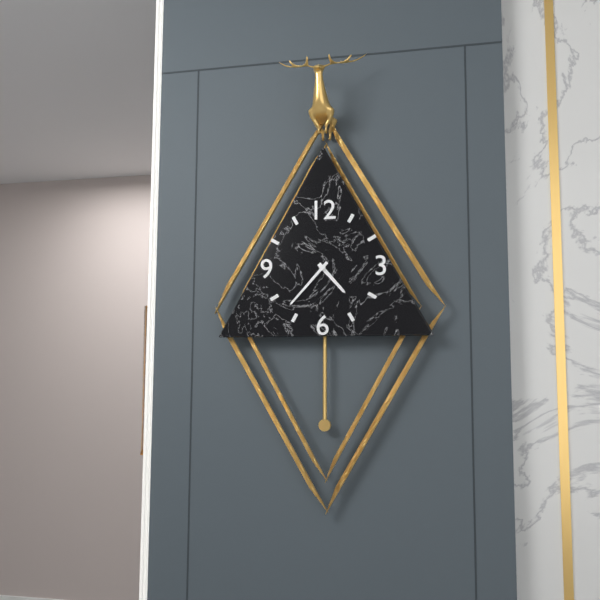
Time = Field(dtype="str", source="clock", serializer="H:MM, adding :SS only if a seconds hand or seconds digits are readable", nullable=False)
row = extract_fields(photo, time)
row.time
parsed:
4:37
